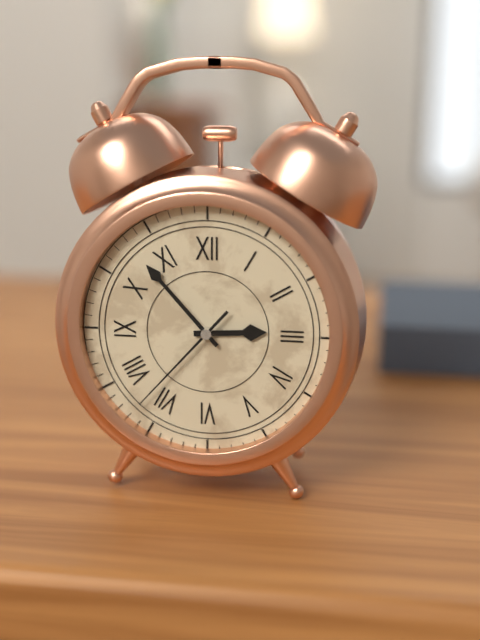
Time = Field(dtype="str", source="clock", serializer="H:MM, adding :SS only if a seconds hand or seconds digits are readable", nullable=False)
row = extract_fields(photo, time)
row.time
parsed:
2:53:37
